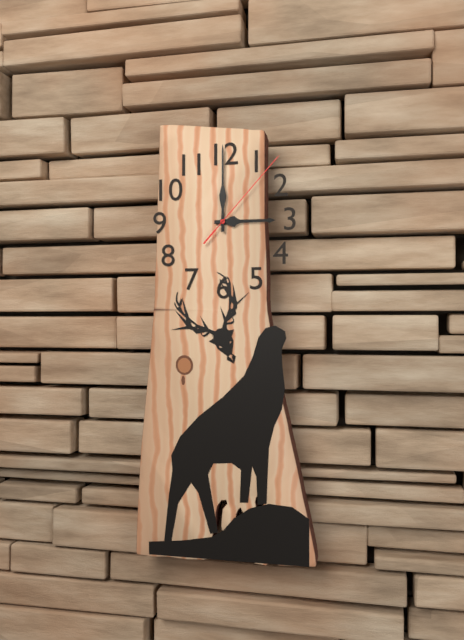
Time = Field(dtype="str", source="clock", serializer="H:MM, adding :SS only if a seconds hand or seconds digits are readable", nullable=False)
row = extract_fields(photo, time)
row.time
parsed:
3:00:07
